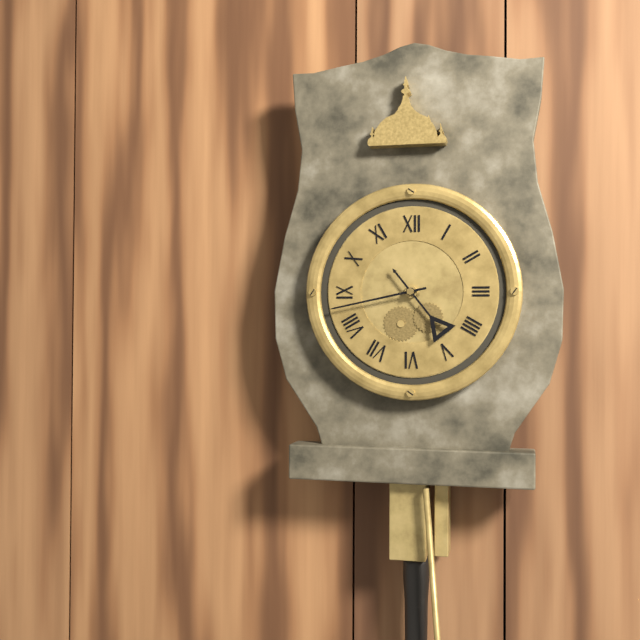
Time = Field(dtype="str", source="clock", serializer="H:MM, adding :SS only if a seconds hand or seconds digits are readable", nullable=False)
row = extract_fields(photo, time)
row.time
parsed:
4:43
